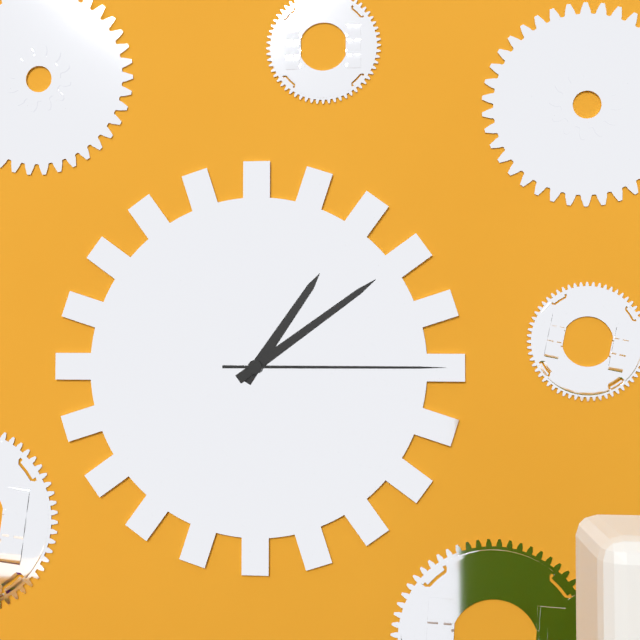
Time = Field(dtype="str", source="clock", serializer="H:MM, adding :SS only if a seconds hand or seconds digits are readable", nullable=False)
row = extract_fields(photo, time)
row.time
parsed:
1:09:15
